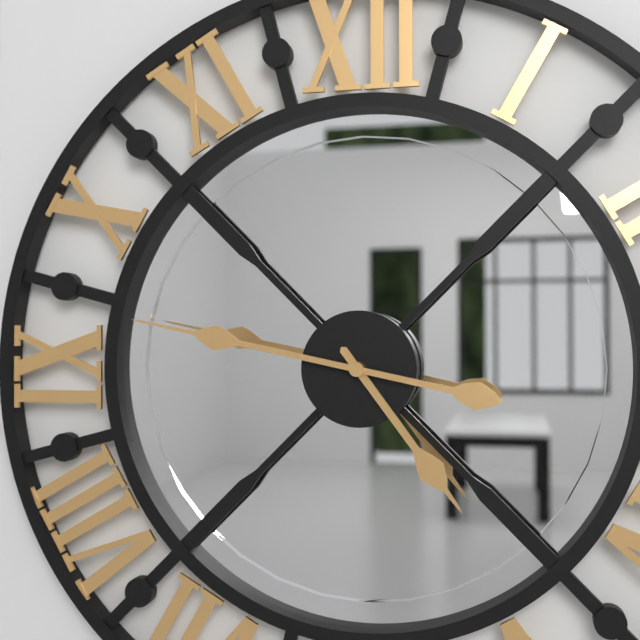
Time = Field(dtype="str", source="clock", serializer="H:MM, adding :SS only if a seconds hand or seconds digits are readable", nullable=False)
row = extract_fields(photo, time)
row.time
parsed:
4:47
